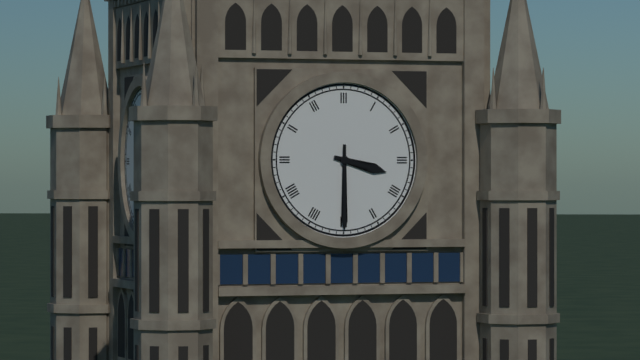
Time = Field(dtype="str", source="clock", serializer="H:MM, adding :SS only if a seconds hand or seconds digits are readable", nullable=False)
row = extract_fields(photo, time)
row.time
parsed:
3:30
